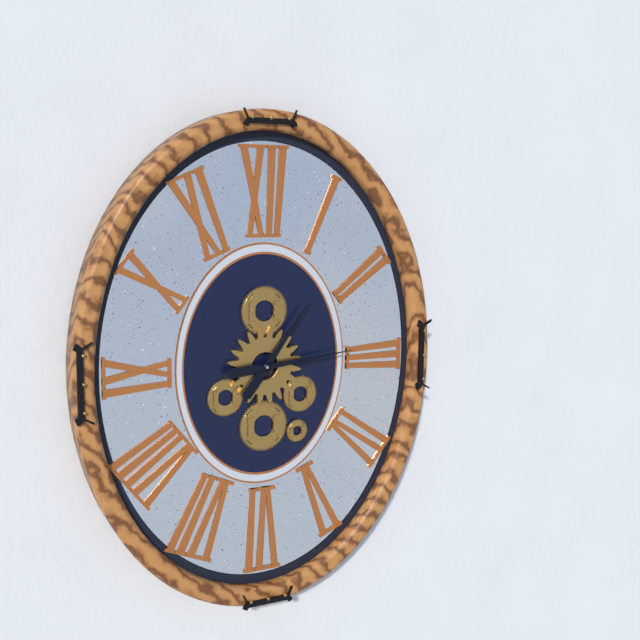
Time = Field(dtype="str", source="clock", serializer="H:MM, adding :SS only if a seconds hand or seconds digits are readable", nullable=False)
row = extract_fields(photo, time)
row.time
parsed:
1:14
